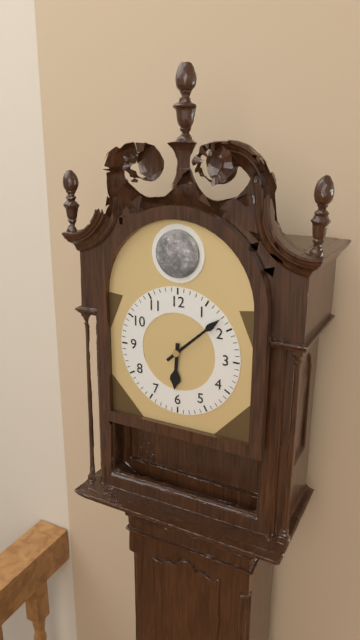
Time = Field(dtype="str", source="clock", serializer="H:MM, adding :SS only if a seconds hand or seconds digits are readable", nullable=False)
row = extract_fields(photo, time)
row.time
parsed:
6:08
